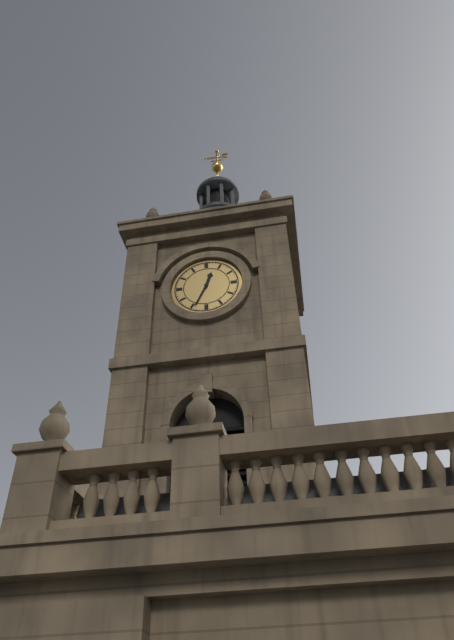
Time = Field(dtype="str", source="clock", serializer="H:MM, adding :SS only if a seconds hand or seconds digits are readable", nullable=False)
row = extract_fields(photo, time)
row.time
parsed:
12:34
